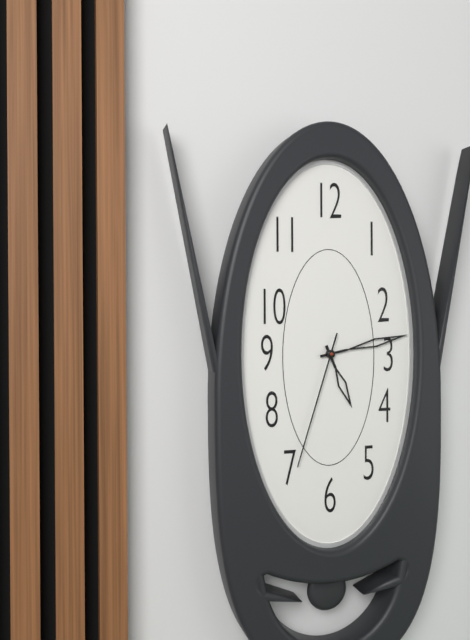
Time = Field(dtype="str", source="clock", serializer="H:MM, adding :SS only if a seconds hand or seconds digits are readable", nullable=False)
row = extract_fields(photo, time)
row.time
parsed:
5:13:33
